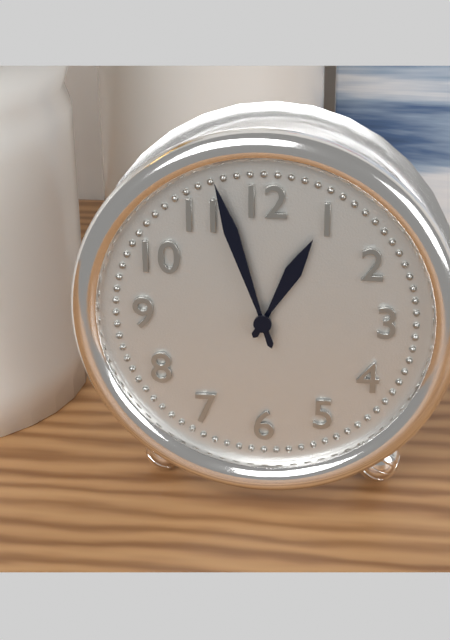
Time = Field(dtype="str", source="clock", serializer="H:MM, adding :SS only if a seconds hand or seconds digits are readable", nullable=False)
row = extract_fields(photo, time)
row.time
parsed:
12:57
